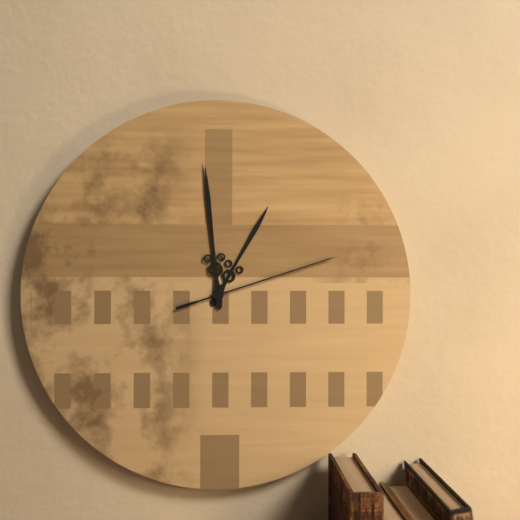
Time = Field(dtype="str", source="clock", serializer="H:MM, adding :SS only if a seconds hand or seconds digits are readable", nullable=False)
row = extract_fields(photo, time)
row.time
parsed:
12:59:12
